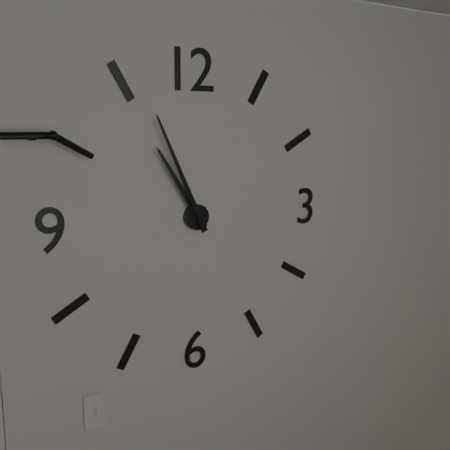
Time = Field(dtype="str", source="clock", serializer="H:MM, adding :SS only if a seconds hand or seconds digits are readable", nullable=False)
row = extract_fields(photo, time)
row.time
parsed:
10:56
